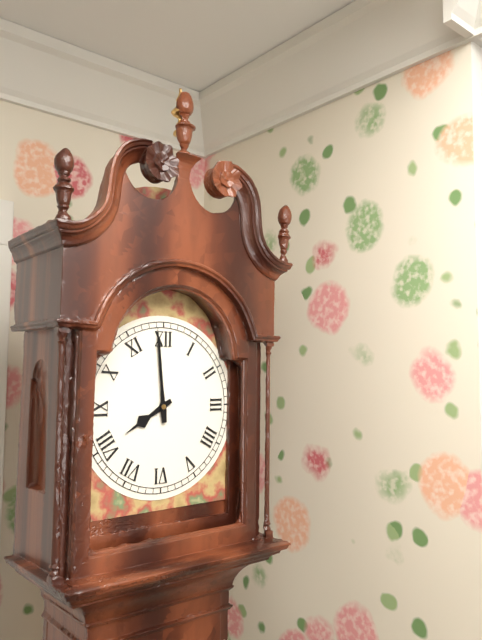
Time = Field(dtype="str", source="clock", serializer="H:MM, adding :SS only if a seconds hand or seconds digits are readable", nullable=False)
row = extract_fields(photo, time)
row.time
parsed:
7:59
